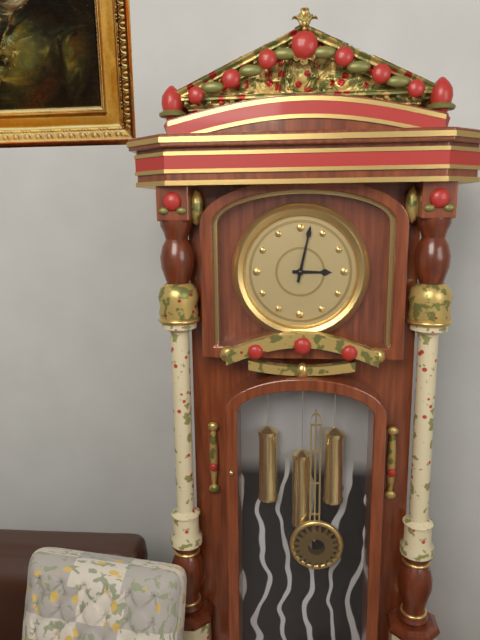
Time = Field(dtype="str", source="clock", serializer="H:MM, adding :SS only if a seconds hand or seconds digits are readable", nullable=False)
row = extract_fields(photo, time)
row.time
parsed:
3:02
